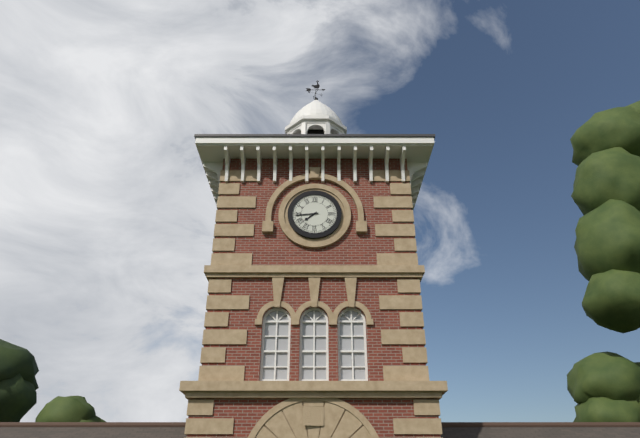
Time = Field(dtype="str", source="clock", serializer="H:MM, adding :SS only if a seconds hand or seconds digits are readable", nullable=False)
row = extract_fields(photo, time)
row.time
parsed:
7:44
